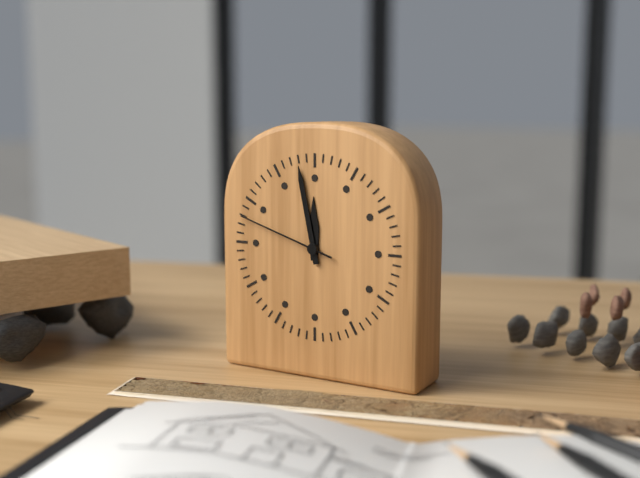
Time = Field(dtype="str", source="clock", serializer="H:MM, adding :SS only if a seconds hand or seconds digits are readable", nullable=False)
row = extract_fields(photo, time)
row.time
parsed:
11:58:48
